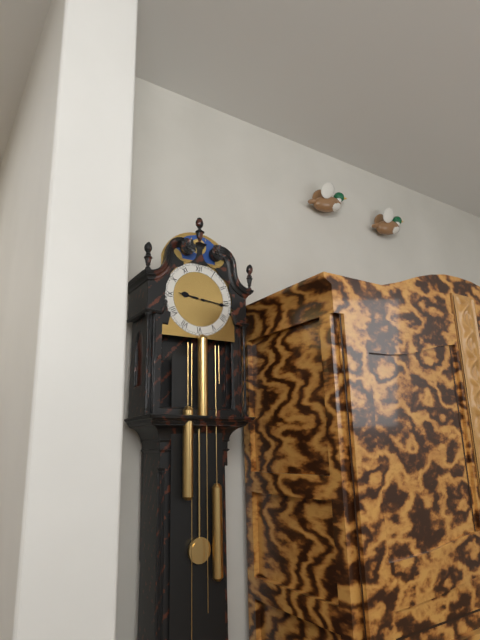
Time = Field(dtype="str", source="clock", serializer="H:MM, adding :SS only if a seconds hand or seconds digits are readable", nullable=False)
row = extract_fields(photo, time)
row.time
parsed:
9:16
